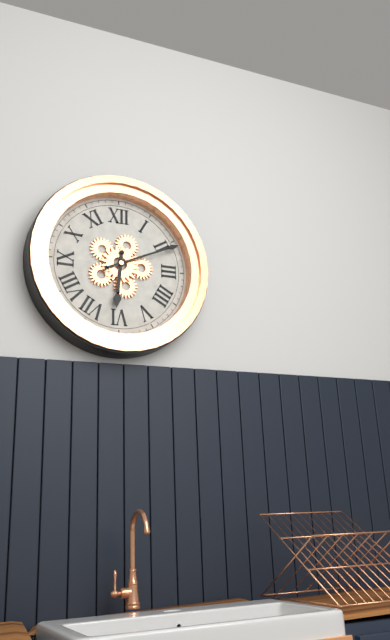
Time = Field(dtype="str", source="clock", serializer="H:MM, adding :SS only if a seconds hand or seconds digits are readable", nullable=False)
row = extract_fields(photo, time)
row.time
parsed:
6:11
